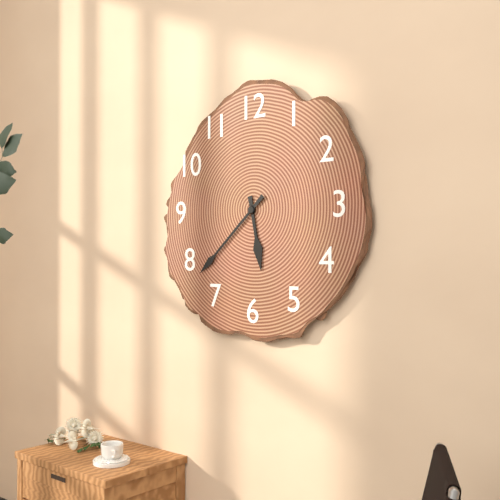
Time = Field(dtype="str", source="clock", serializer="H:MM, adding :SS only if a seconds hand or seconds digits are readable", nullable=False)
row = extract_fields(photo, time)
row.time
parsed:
5:38
